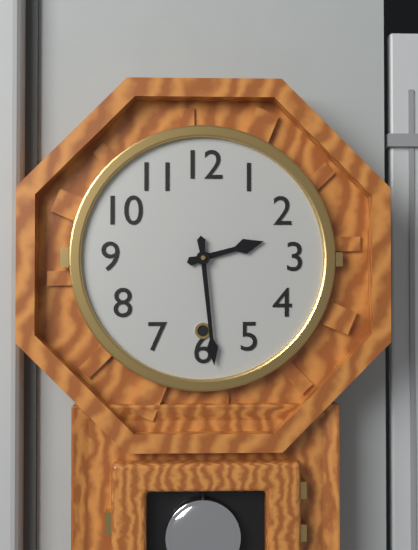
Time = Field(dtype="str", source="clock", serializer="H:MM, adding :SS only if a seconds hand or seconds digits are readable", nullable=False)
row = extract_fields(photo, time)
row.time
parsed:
2:29
